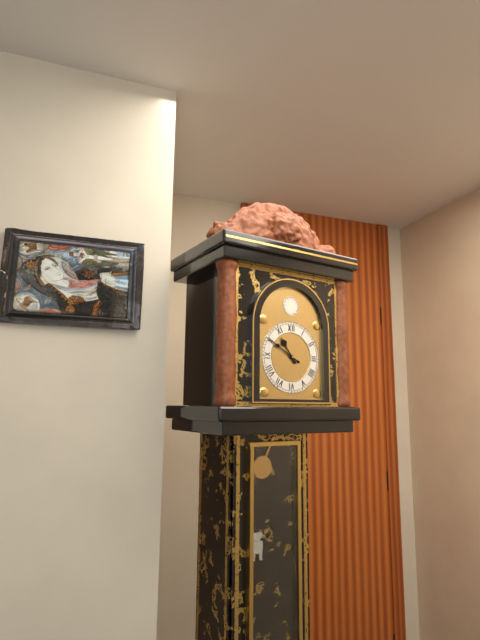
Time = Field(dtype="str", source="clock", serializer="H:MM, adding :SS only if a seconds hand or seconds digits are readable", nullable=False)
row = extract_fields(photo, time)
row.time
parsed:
10:50
